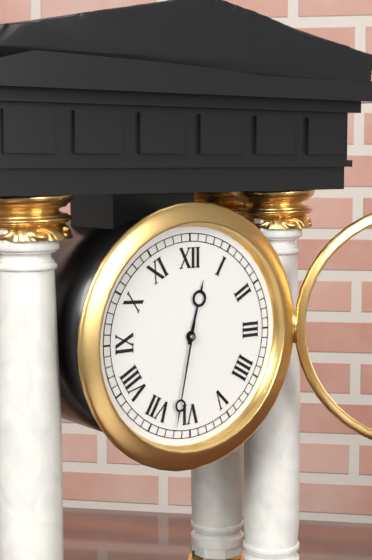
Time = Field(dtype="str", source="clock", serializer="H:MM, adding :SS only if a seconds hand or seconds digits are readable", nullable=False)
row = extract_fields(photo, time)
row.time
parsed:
12:32
